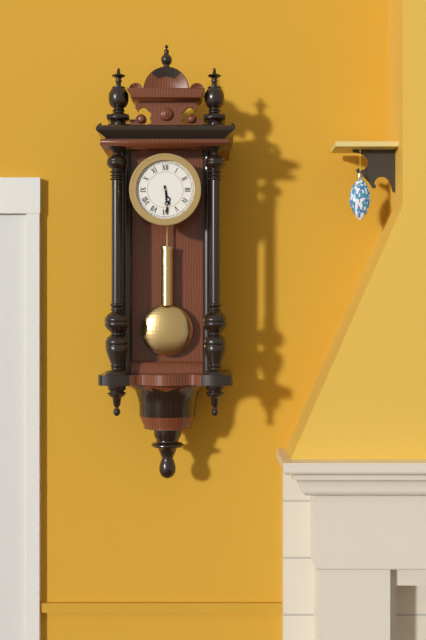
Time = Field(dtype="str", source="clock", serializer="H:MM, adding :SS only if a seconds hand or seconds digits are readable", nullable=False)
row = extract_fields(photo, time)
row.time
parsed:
5:29
